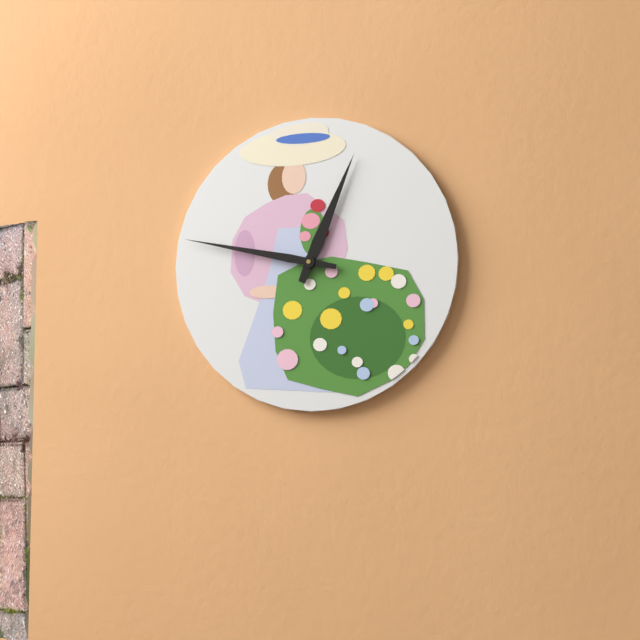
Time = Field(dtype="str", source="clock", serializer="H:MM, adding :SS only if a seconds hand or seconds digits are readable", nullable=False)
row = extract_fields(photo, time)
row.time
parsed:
12:47
